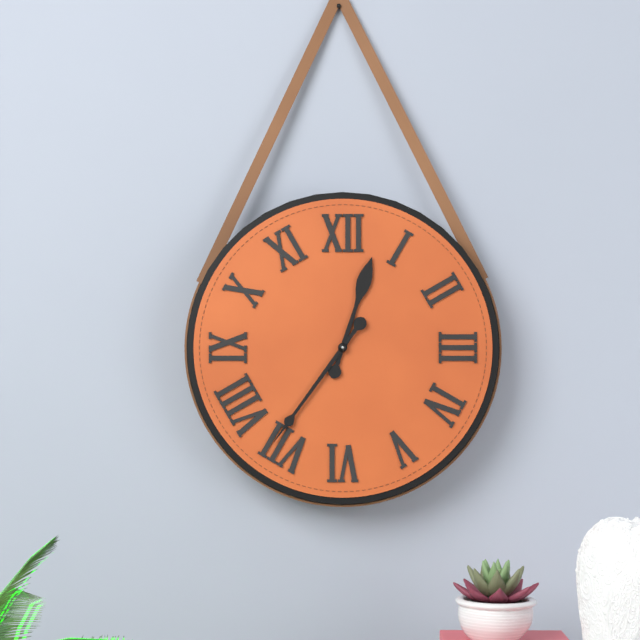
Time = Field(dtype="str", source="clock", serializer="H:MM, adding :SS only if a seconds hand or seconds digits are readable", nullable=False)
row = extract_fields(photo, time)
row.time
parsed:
12:36
